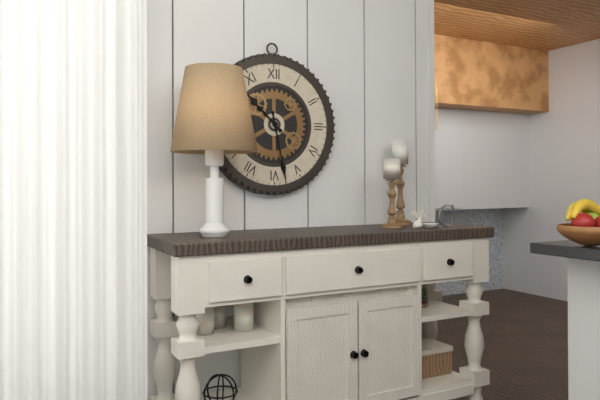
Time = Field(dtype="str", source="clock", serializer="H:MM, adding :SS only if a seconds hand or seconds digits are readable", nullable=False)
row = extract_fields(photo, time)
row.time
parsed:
10:28
